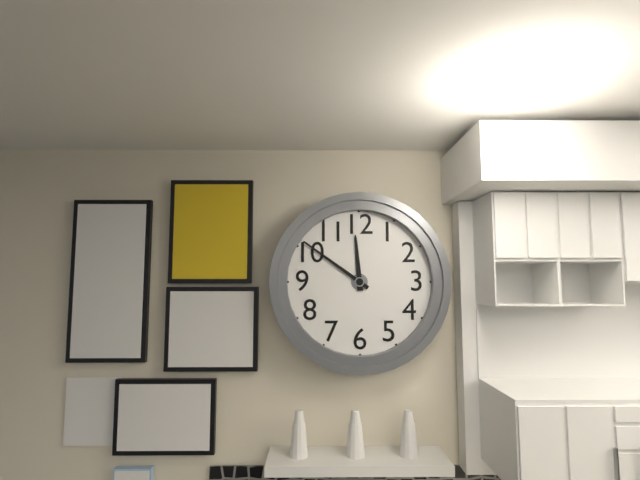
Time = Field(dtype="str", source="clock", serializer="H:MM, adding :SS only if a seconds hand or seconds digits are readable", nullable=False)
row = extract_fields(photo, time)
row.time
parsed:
11:51
